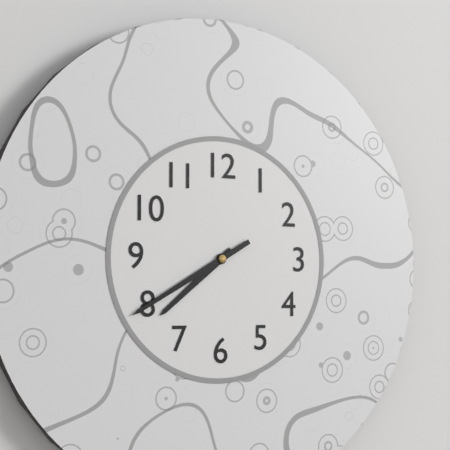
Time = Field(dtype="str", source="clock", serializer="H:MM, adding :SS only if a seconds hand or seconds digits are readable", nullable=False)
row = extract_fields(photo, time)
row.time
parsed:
7:40
